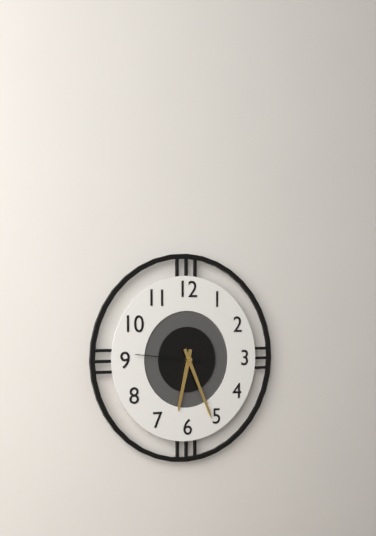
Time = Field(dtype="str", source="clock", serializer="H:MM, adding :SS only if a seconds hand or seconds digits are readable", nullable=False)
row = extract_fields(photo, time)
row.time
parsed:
6:26:46
